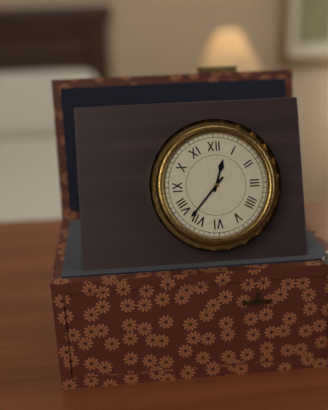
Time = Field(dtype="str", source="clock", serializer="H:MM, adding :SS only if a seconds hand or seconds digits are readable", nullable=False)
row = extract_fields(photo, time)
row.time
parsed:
12:37
